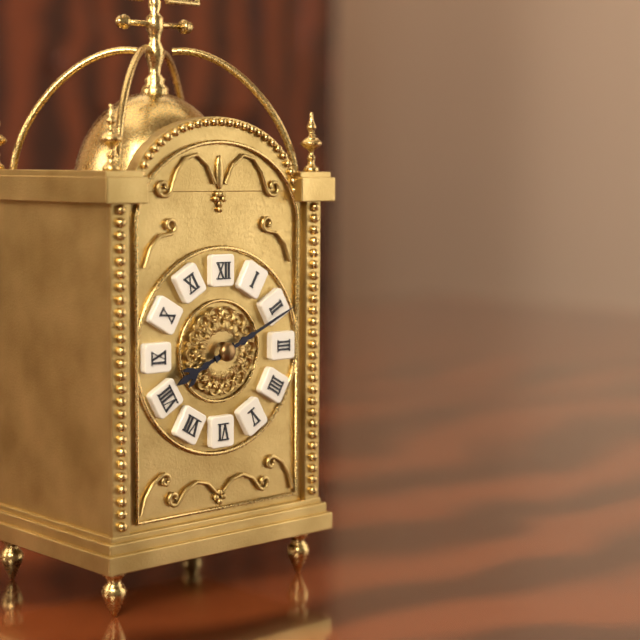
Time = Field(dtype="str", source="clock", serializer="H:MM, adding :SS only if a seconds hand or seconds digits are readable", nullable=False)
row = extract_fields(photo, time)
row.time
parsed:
8:11
